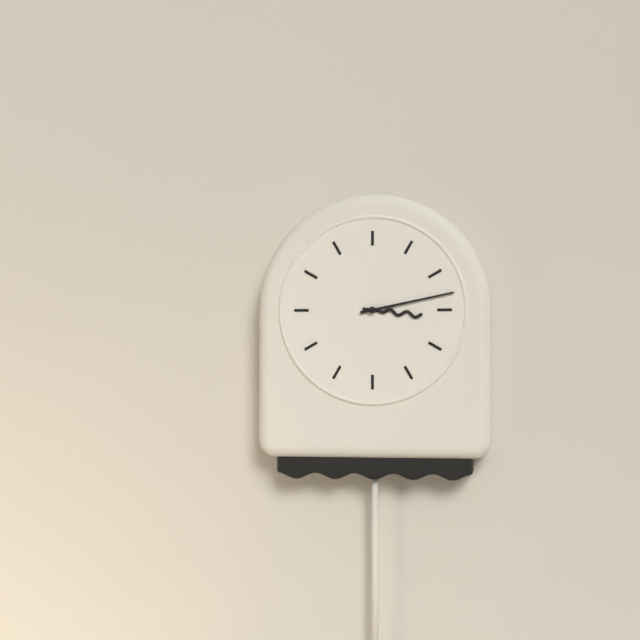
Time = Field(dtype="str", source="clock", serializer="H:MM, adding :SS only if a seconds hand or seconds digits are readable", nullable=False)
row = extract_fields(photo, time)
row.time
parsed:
3:13
